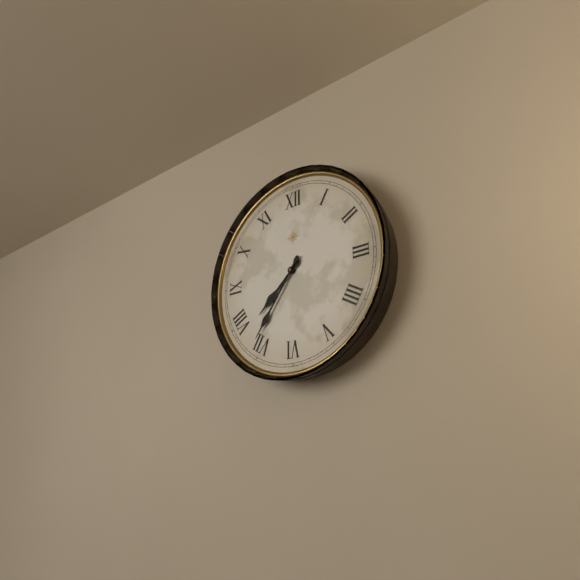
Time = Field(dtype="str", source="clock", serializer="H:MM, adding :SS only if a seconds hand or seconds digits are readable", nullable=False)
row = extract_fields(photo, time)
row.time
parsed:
7:36
